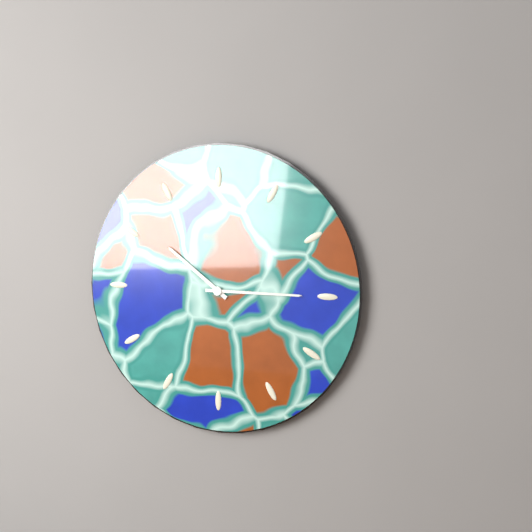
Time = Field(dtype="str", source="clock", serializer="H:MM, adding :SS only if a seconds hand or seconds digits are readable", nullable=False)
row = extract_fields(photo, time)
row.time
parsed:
10:15
